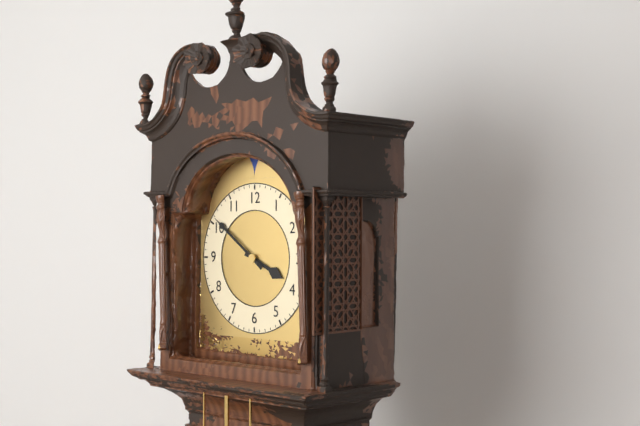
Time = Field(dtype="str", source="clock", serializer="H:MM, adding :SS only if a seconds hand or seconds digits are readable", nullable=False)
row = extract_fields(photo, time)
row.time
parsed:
3:51
